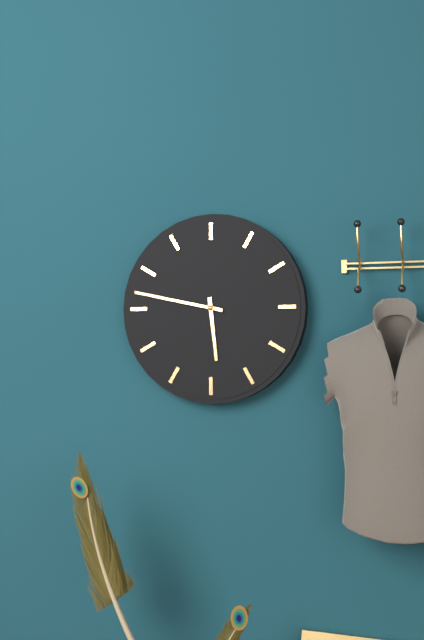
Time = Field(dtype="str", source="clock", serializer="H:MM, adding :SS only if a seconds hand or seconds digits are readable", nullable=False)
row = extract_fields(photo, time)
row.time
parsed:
5:47
